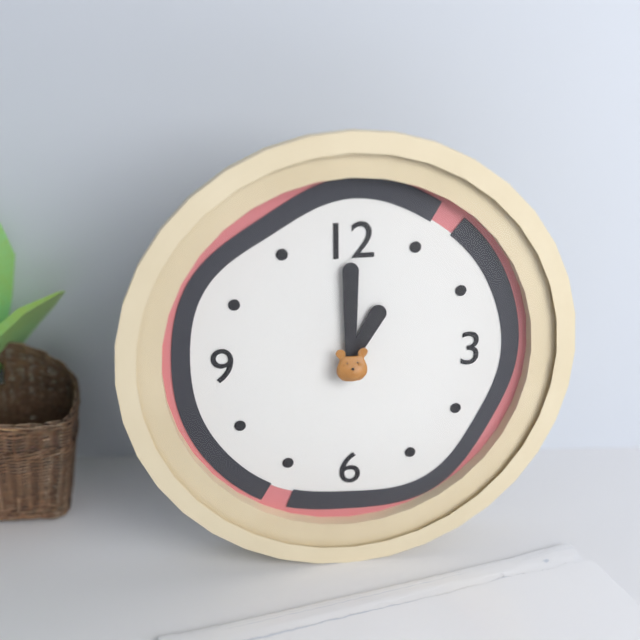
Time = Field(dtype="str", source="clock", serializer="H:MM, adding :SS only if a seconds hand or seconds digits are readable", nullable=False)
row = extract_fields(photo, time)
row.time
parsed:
1:00
